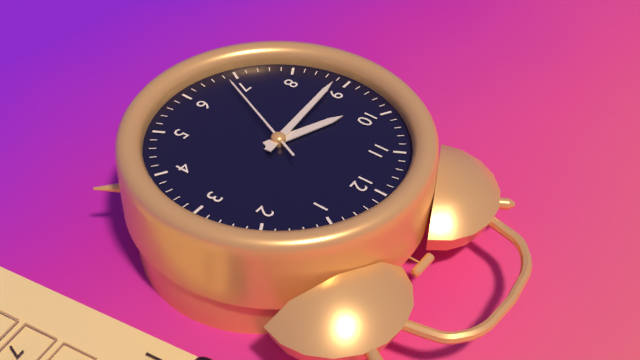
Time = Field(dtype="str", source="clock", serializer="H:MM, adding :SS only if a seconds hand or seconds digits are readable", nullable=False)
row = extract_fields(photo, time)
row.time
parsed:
9:44:34
